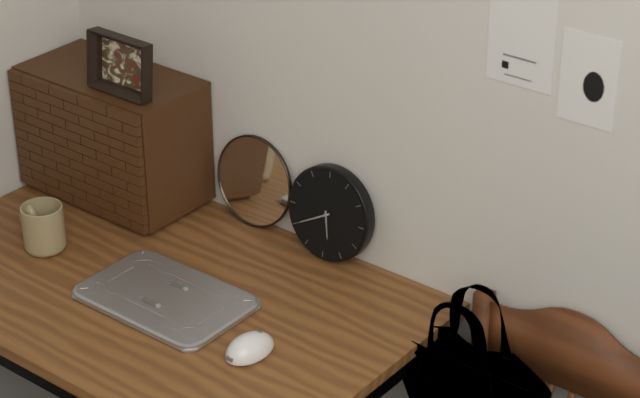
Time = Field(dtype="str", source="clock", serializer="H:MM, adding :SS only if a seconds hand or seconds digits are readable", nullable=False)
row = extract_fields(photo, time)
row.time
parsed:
5:40
